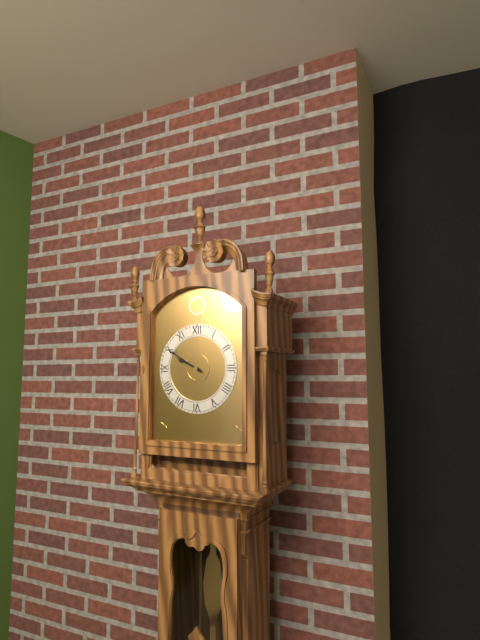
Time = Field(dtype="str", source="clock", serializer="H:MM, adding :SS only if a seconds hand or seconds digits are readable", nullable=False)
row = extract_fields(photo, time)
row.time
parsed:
9:50
